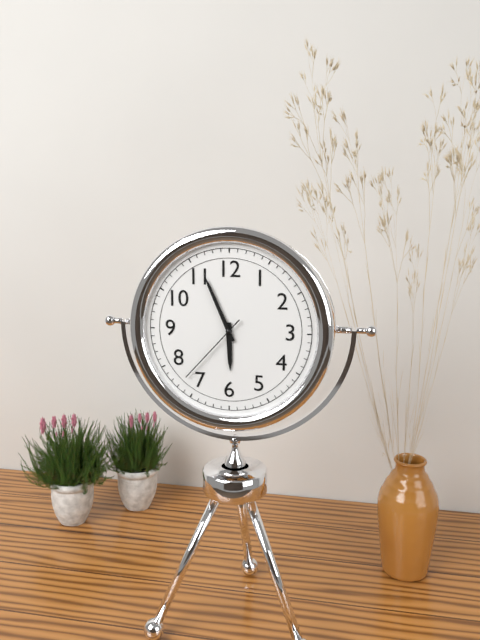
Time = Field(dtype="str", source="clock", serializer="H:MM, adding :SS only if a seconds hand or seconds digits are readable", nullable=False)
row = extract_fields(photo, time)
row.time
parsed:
5:56:37
